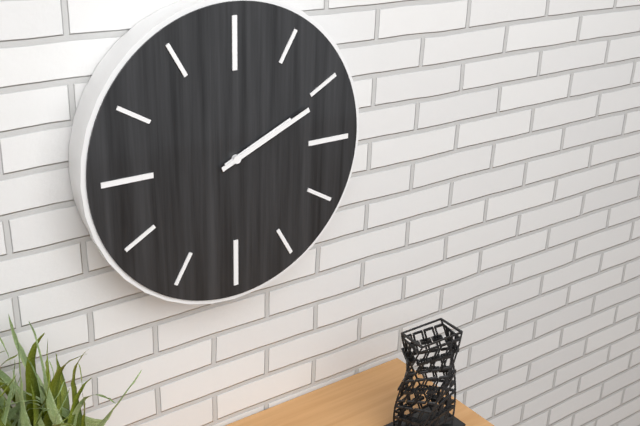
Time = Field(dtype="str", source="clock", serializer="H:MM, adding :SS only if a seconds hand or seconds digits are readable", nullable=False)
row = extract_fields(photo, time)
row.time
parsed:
2:11
